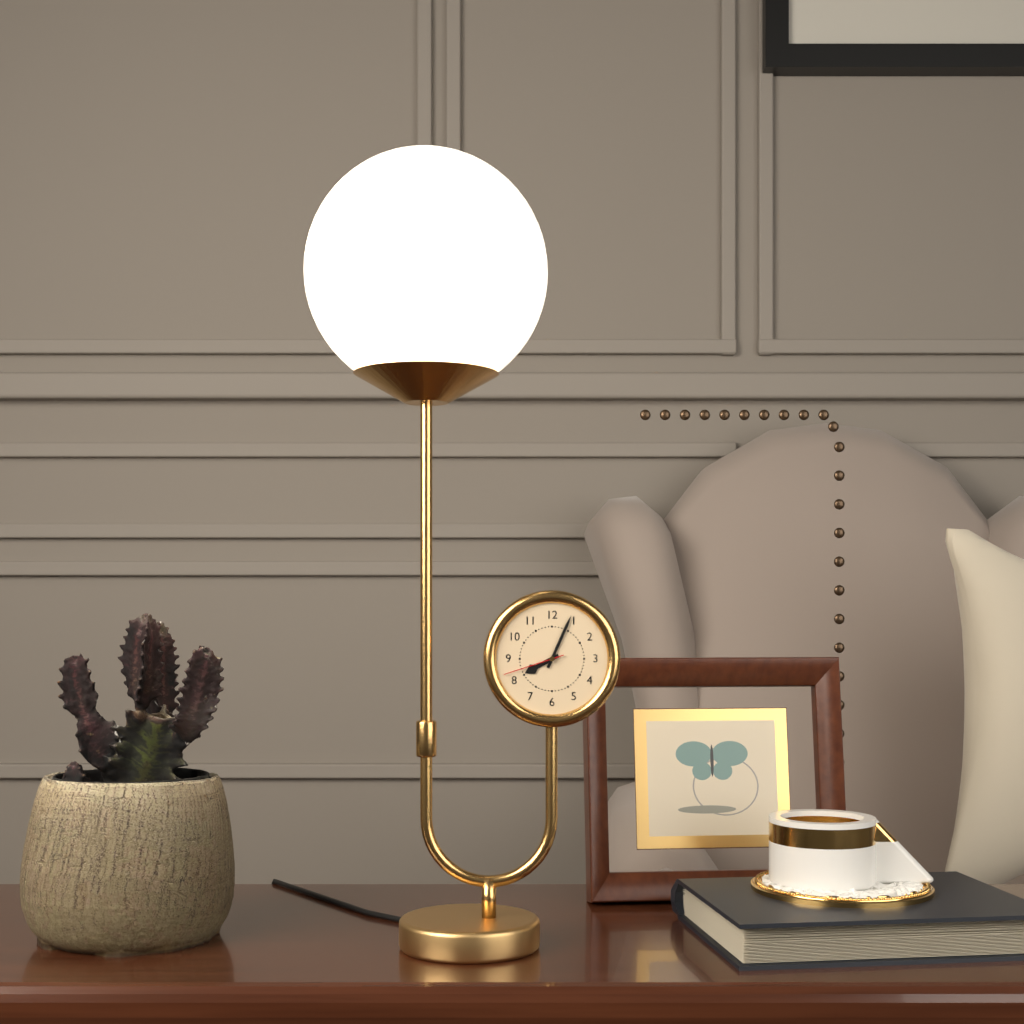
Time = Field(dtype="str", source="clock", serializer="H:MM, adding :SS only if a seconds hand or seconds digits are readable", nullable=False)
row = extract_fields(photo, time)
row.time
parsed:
8:04:42
